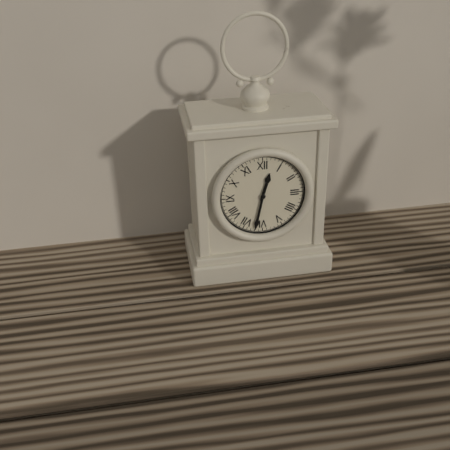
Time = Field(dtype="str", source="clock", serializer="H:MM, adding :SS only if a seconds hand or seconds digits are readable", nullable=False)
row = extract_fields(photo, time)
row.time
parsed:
12:32
